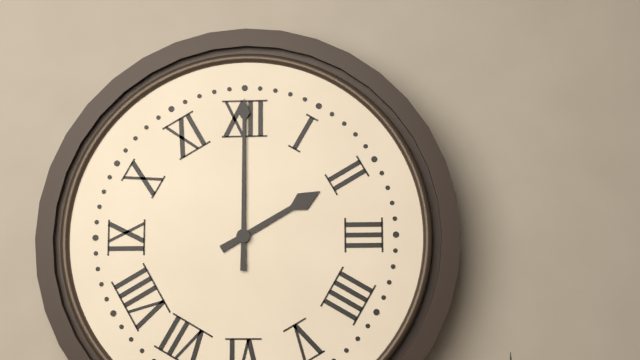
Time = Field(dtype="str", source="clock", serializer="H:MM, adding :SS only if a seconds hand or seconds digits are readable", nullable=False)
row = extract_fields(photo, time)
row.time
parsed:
2:00
